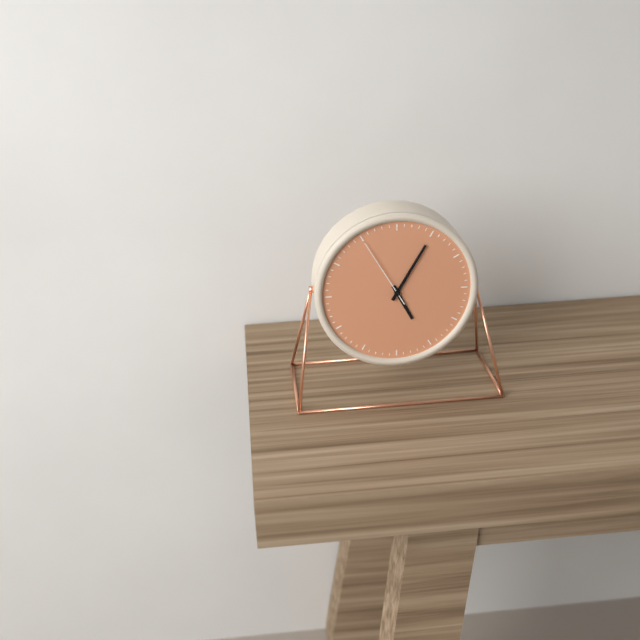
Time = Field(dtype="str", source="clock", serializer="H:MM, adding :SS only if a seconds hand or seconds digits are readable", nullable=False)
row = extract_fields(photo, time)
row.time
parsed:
5:05:55
